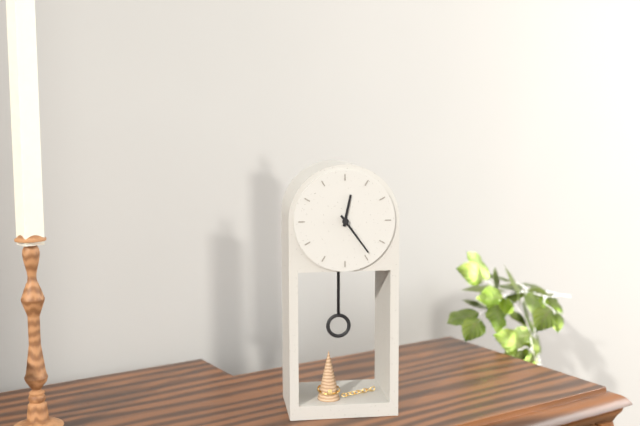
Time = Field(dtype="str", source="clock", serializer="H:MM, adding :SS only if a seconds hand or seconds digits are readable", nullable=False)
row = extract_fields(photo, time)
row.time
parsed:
12:24
